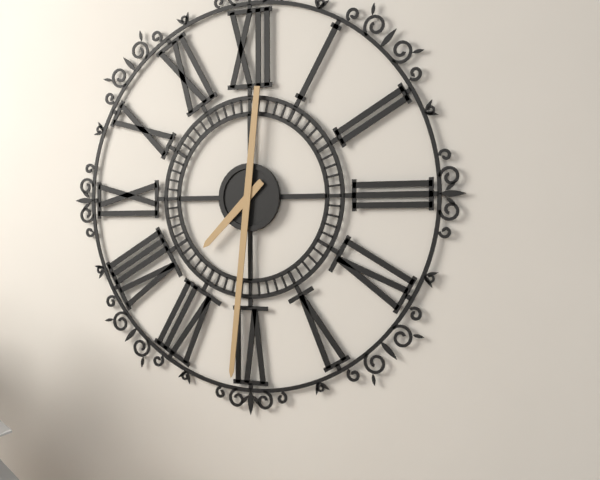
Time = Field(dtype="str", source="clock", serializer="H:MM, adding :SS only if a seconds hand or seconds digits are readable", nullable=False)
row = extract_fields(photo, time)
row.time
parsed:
7:31
